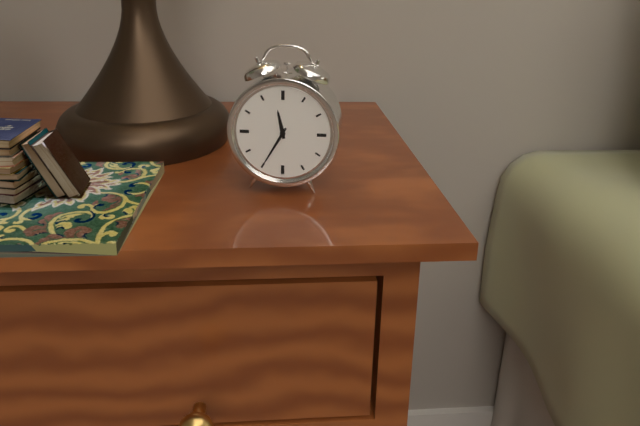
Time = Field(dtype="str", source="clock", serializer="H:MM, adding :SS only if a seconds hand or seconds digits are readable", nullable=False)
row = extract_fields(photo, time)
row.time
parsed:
11:35
